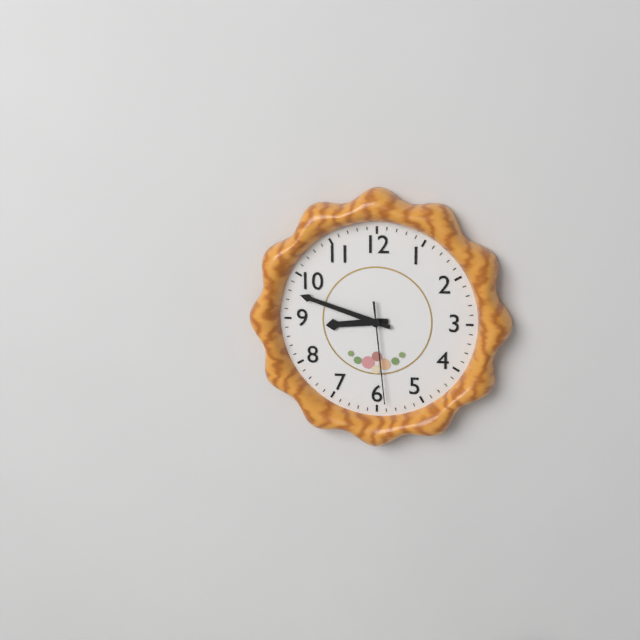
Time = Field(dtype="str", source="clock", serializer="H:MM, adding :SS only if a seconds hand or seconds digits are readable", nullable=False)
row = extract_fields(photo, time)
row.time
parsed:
8:48:29
